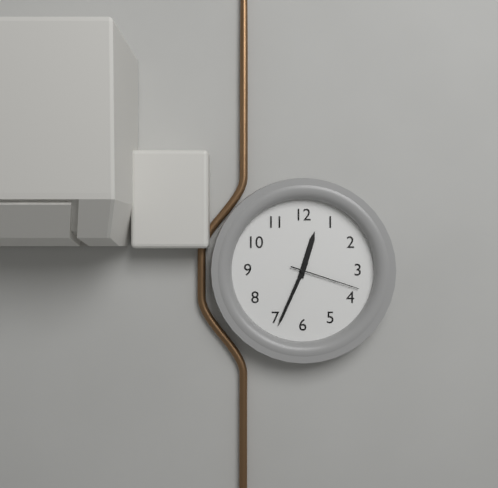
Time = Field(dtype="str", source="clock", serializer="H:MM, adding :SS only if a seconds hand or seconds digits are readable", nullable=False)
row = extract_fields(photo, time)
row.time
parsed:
12:34:18
